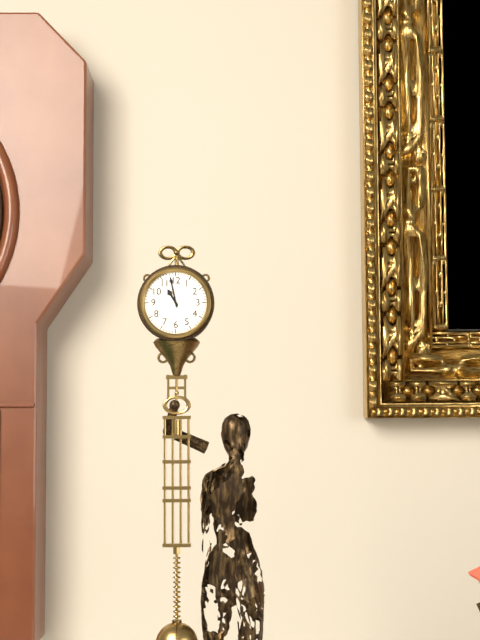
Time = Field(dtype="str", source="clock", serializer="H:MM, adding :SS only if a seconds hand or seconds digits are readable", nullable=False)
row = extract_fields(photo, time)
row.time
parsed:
10:58
